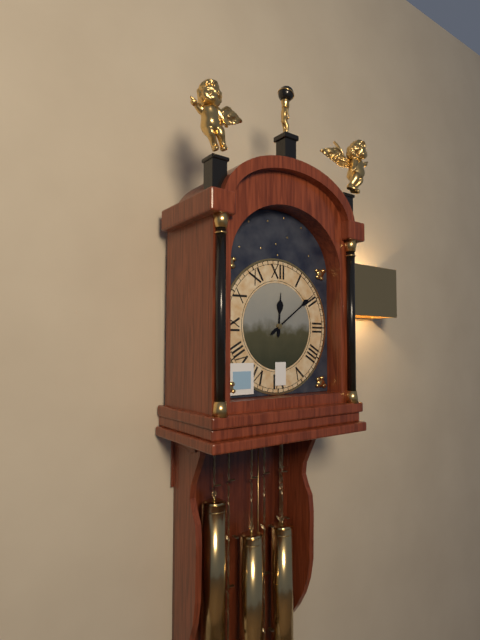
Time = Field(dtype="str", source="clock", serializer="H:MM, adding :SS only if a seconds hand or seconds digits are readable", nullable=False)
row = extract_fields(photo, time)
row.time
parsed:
12:09
